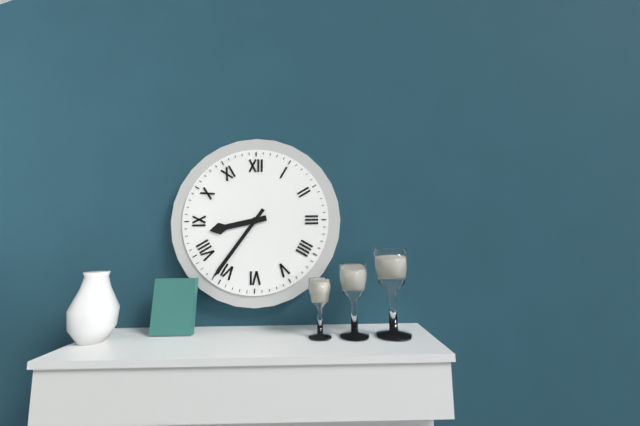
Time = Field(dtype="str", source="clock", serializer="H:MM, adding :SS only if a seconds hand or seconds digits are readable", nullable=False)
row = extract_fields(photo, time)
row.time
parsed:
8:36
